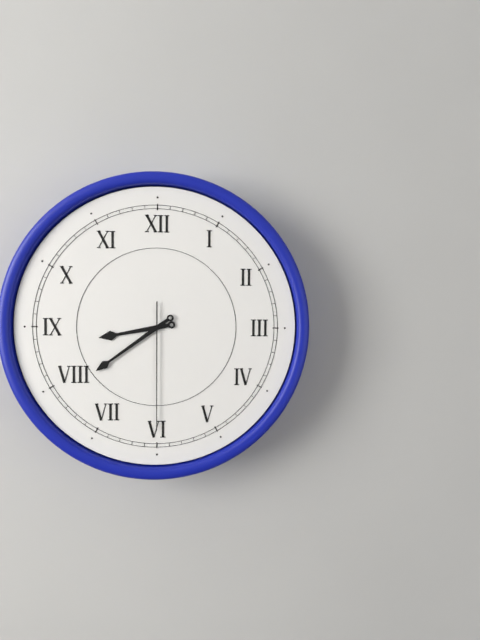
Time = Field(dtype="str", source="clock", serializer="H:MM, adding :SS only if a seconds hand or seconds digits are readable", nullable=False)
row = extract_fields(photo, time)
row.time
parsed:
8:39:30
